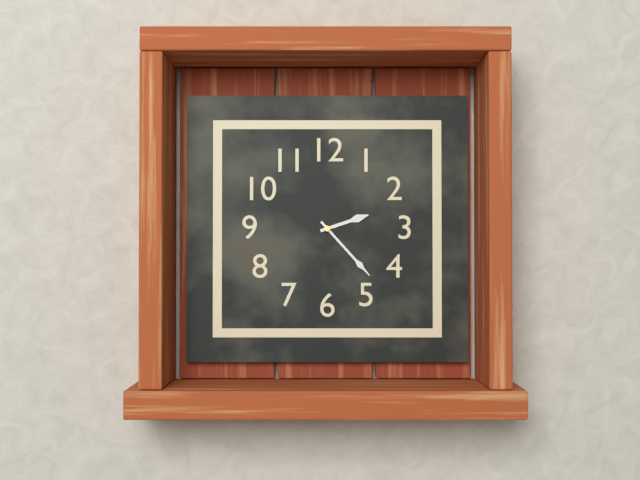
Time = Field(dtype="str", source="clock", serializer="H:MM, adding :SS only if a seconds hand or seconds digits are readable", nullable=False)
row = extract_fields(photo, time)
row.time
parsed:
2:23
